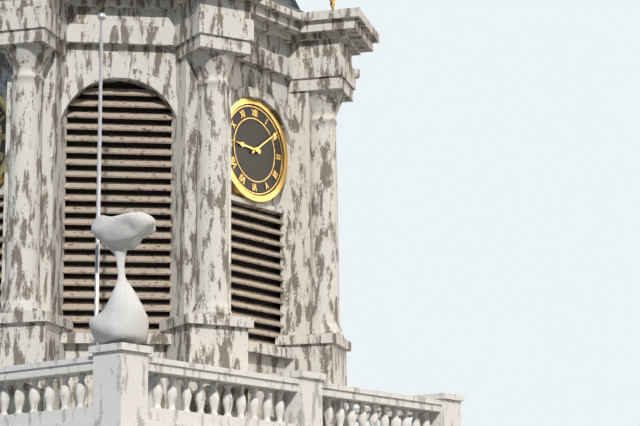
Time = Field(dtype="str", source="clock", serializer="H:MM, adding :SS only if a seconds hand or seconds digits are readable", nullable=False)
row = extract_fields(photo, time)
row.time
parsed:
9:09
